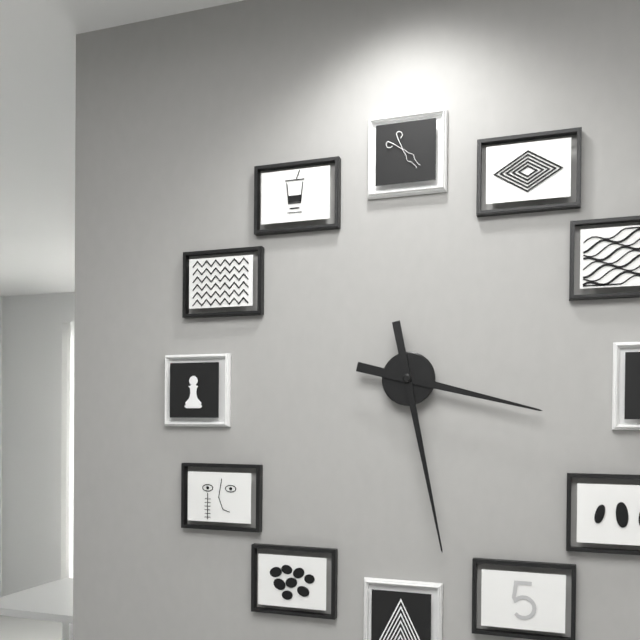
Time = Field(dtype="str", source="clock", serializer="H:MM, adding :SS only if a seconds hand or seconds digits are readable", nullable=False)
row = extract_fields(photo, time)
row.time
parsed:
3:28
